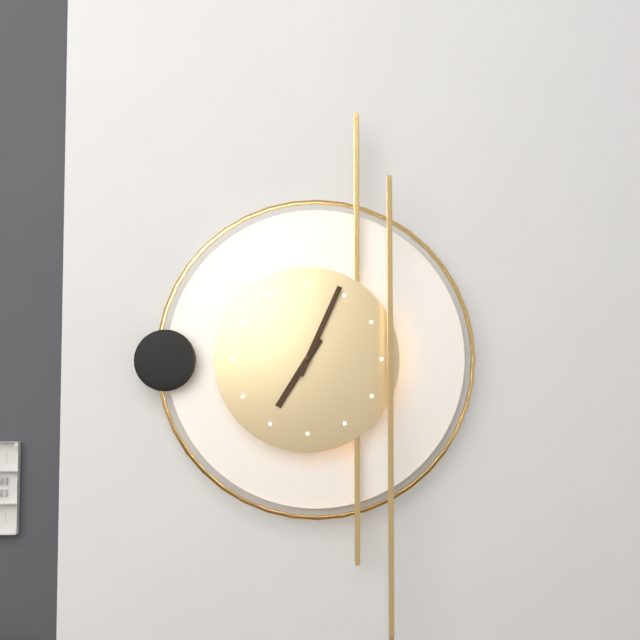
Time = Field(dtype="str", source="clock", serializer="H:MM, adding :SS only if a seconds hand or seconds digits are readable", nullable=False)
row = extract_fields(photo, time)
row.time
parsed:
7:04
